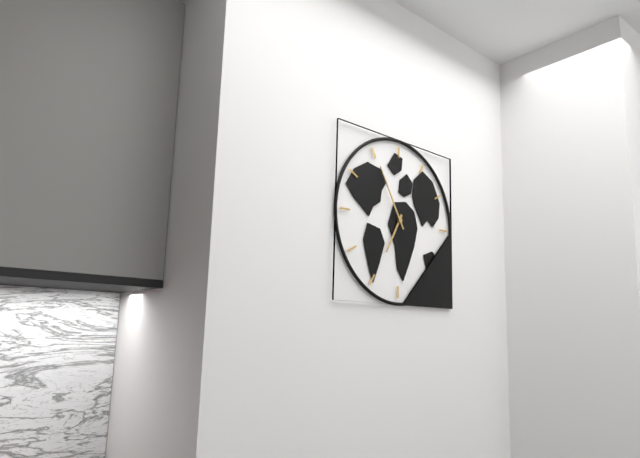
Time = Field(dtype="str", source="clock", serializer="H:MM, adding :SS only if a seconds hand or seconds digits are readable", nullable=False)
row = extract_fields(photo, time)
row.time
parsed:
6:55
